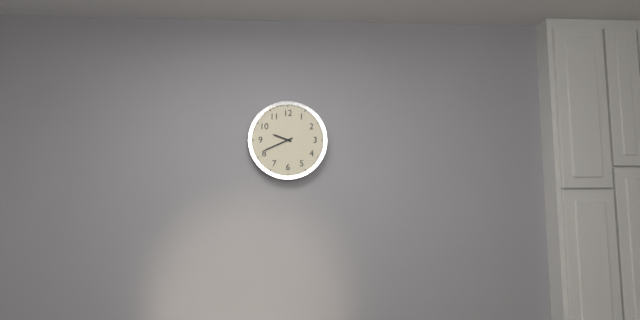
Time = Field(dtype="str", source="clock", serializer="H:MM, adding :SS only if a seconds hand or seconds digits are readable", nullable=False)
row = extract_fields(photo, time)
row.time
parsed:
9:41
